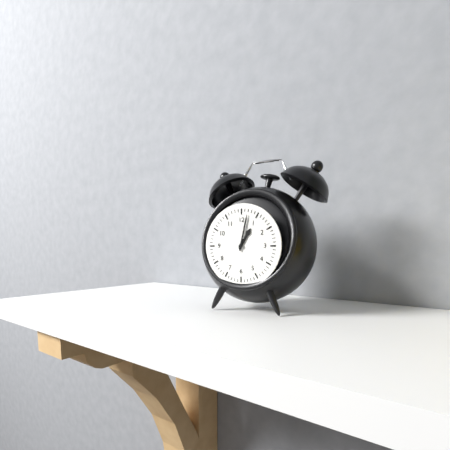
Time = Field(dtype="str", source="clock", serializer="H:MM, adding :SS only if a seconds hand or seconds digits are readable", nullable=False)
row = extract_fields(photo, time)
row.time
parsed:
1:02
